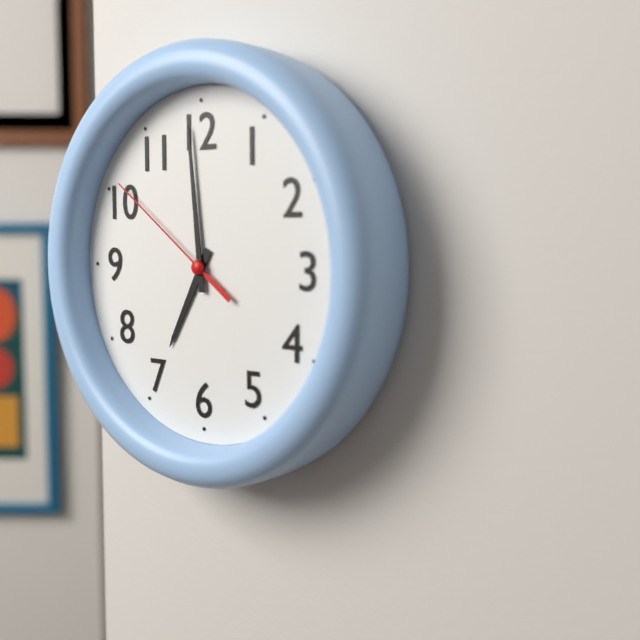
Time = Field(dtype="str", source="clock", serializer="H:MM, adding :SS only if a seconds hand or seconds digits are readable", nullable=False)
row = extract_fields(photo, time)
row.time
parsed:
6:59:51
